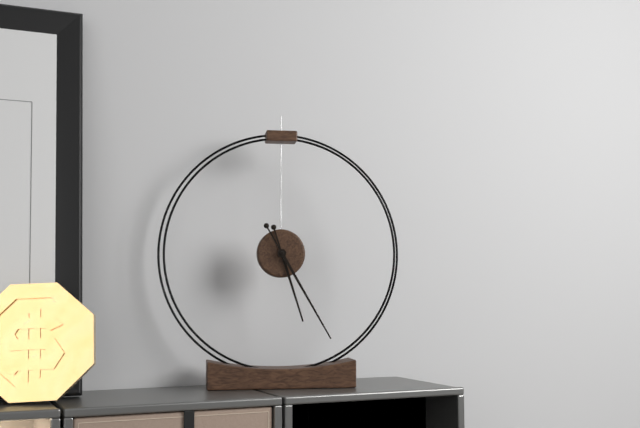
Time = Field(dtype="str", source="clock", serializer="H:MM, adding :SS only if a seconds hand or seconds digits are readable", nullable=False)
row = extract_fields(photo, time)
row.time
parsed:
5:25
